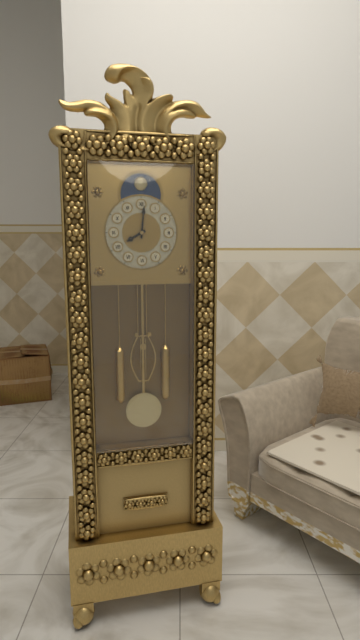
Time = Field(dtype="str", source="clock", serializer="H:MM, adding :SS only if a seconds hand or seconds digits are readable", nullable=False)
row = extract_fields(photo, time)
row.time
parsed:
8:01
